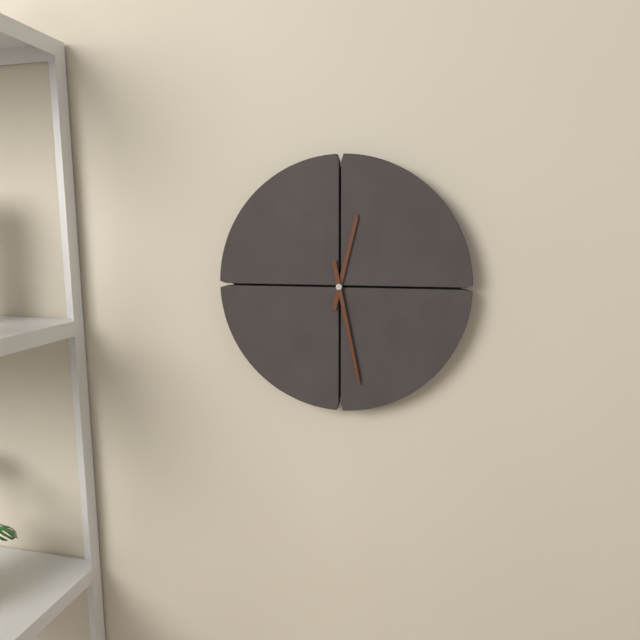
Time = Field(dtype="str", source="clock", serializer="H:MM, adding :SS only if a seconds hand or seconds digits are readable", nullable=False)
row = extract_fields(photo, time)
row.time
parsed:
12:28
